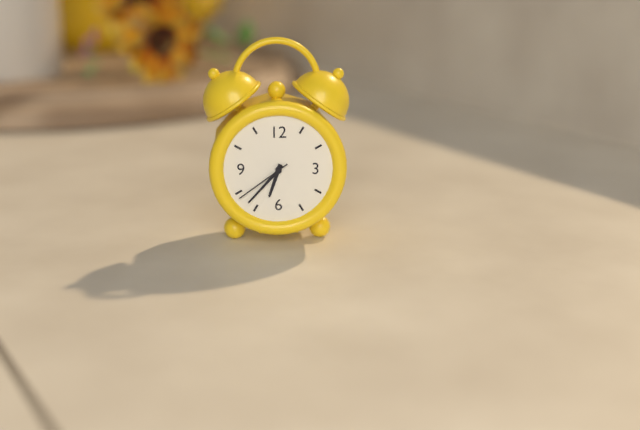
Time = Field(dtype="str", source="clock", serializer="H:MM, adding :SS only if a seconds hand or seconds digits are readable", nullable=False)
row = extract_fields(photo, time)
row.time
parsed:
6:37:39
